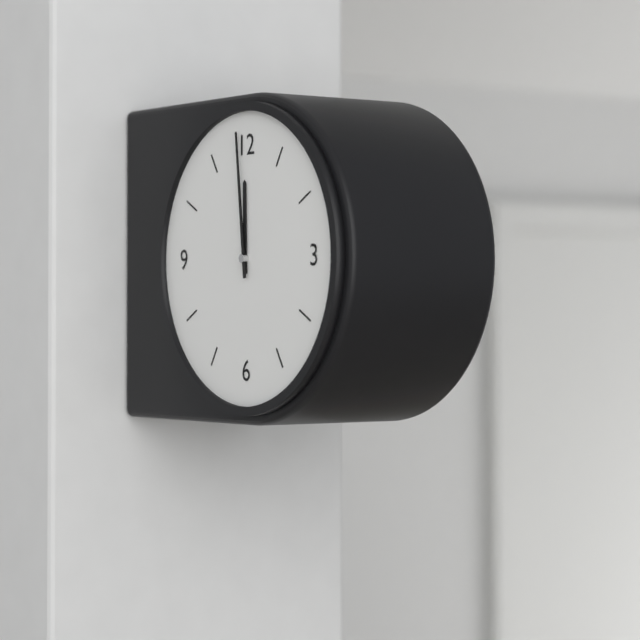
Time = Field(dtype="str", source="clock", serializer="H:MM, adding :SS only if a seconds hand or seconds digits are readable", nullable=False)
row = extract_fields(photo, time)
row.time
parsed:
11:59
